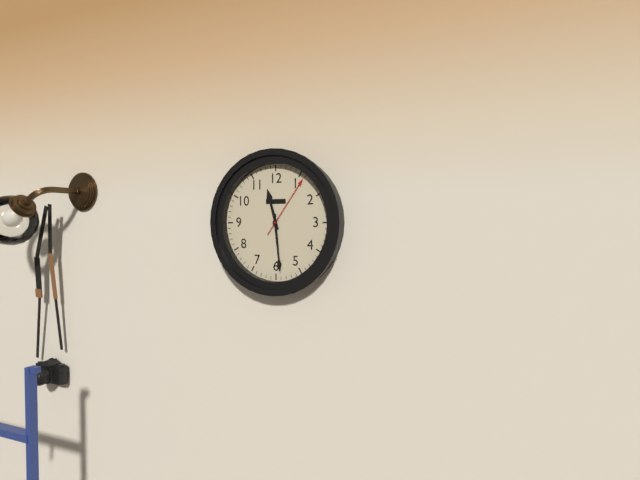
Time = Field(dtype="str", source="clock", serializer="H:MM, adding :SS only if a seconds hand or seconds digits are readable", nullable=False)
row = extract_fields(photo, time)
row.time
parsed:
11:29:06
